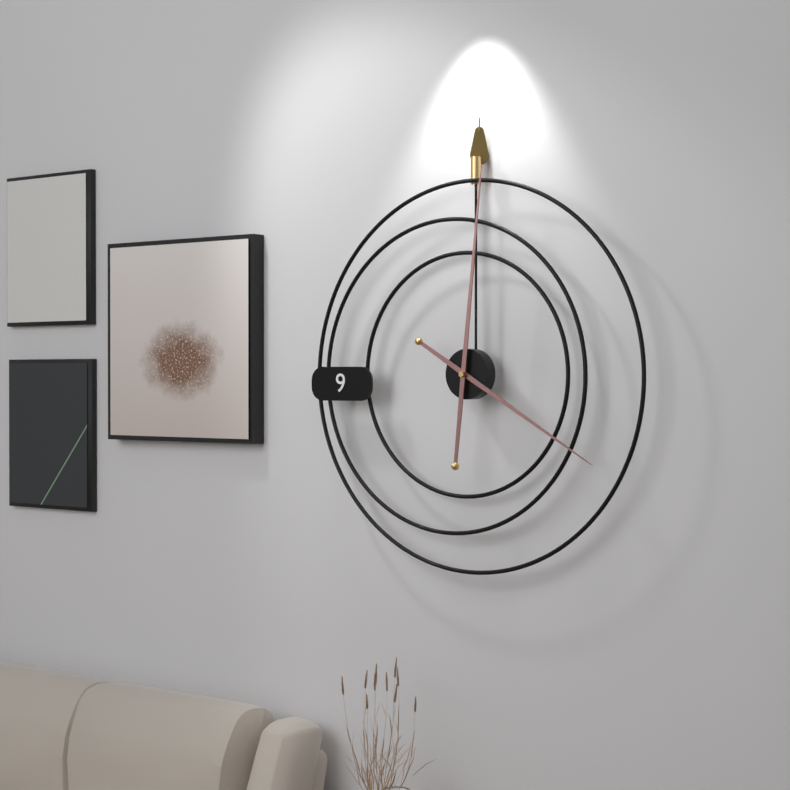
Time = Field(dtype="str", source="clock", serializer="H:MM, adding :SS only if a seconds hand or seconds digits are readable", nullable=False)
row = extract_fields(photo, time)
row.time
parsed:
4:01
